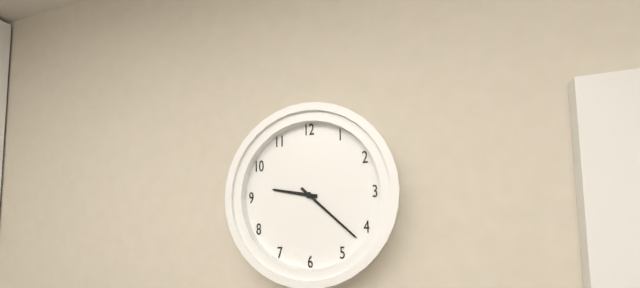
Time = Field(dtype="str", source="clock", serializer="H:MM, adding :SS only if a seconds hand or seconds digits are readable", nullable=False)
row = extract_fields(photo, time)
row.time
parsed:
9:22
